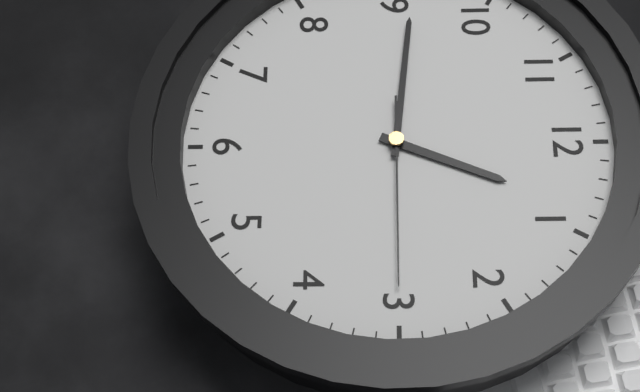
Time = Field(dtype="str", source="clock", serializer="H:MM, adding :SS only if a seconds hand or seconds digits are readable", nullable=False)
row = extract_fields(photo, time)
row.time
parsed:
12:46:15
